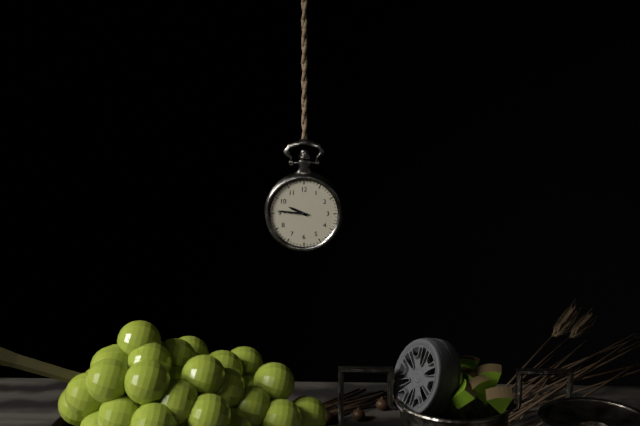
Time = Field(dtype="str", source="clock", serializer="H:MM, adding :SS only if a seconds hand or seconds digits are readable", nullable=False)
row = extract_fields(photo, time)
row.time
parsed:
9:46
